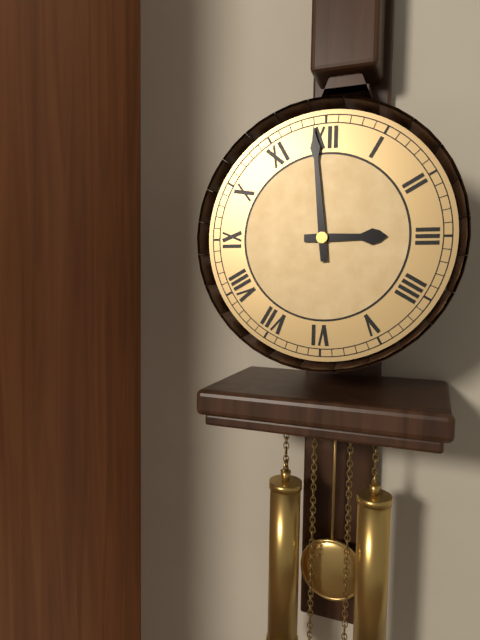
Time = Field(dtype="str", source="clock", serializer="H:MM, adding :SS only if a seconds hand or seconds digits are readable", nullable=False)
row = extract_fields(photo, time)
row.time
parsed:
2:59
